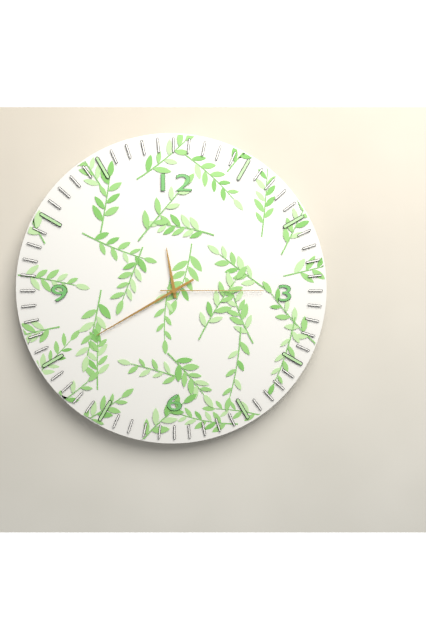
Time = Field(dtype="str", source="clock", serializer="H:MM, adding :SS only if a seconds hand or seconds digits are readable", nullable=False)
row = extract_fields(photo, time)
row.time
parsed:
11:40:15
